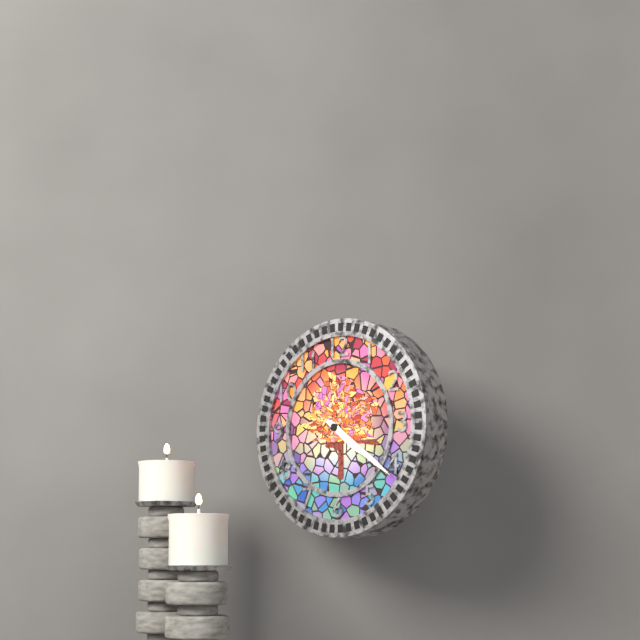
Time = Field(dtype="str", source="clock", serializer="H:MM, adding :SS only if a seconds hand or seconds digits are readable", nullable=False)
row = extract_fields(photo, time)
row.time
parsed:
4:21
